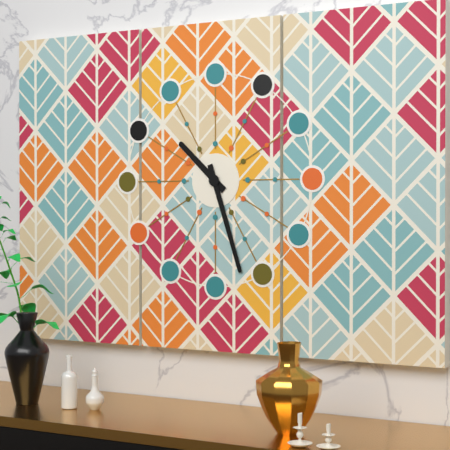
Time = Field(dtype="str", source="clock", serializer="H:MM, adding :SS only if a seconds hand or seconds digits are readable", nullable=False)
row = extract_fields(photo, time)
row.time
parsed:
10:27
